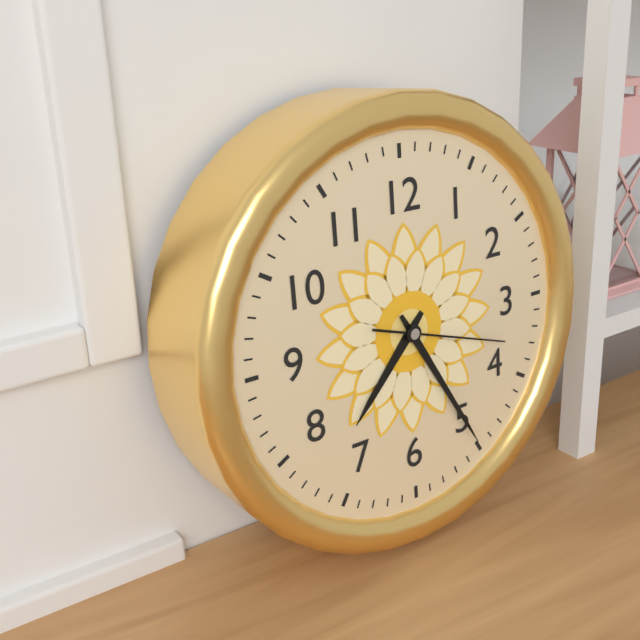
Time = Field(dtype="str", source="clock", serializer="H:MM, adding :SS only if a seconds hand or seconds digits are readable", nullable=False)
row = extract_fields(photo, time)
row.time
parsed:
7:25:18
